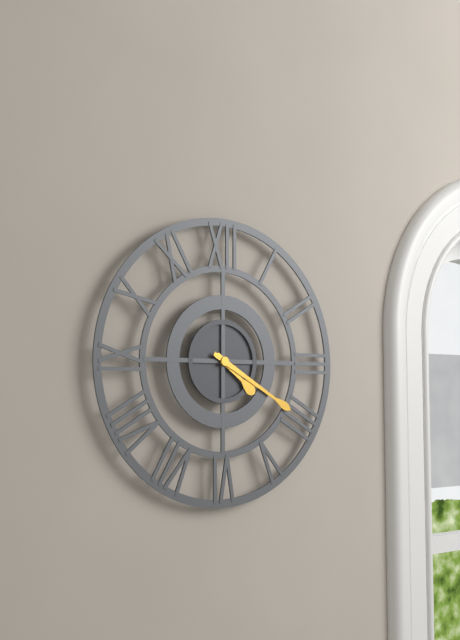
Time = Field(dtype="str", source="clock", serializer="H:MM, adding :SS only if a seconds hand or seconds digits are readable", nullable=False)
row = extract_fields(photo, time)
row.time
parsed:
4:20
